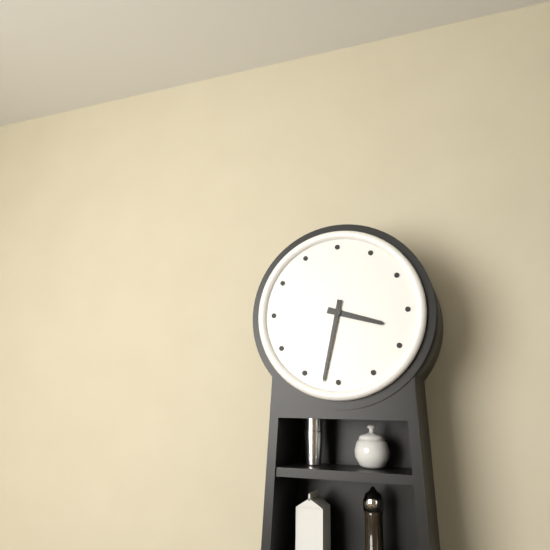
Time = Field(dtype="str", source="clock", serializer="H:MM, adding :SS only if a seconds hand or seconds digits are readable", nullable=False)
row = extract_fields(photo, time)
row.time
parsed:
3:32
